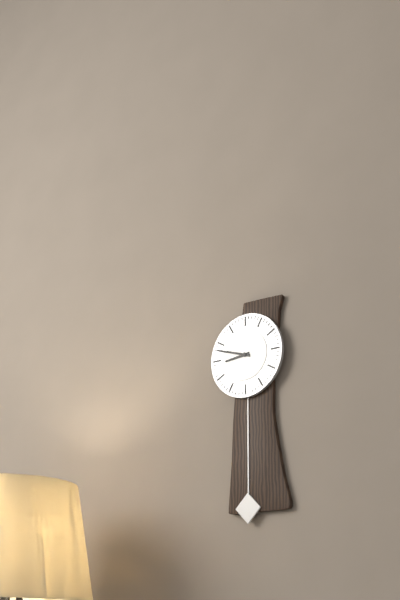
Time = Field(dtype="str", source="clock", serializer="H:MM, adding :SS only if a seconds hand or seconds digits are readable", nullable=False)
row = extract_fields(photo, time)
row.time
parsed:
8:48
